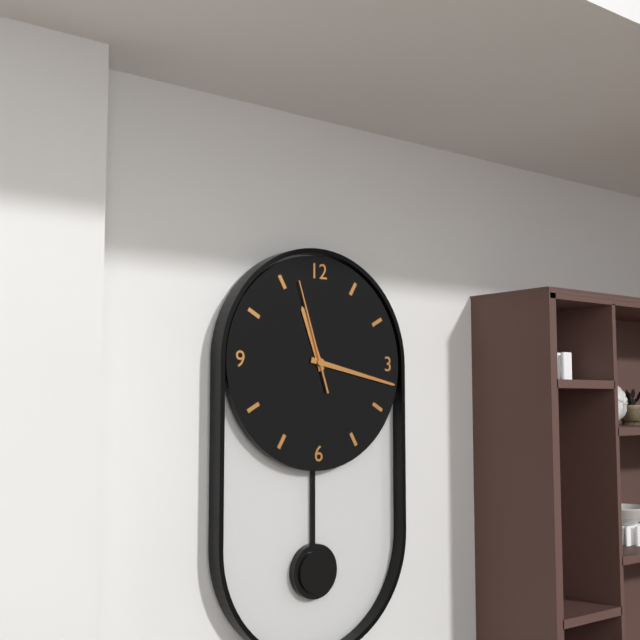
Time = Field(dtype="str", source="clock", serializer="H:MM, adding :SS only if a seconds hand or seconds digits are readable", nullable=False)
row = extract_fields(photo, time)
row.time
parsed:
11:17:57
